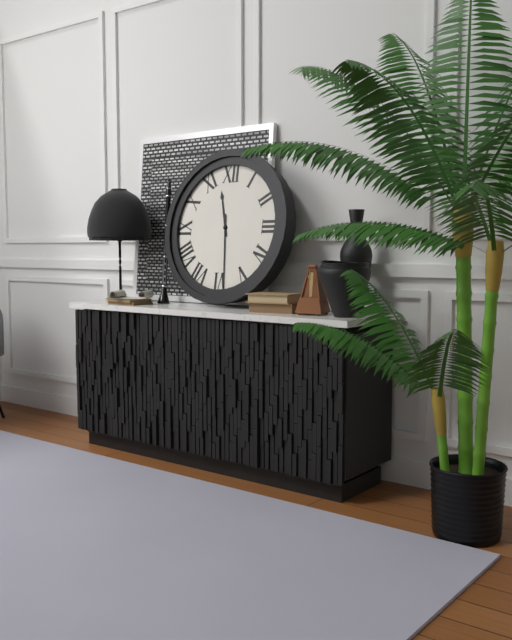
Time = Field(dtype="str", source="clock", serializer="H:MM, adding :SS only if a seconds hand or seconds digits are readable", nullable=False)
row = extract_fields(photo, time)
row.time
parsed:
11:29
